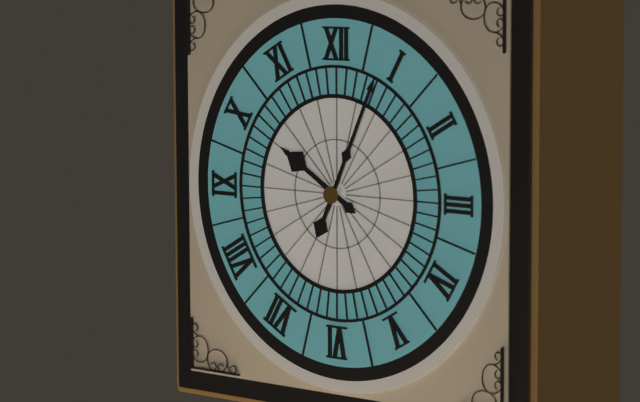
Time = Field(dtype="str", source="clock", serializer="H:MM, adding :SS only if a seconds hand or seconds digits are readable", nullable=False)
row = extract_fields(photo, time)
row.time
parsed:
10:04
